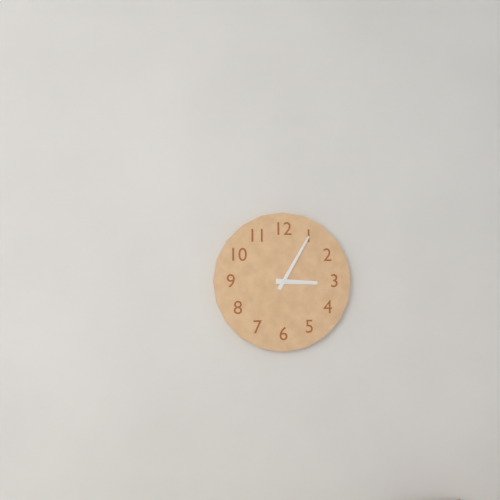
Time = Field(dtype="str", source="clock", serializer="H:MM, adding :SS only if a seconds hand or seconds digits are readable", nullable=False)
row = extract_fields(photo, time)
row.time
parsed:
3:05
